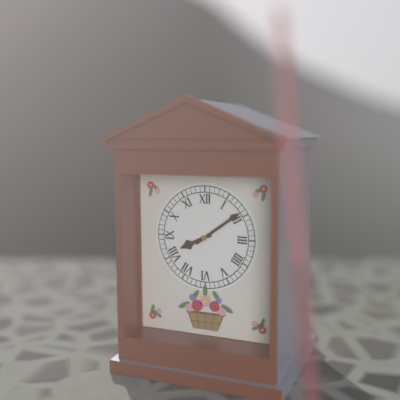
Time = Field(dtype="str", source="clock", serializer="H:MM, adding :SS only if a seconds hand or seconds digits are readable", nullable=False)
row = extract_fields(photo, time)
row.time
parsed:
8:09
